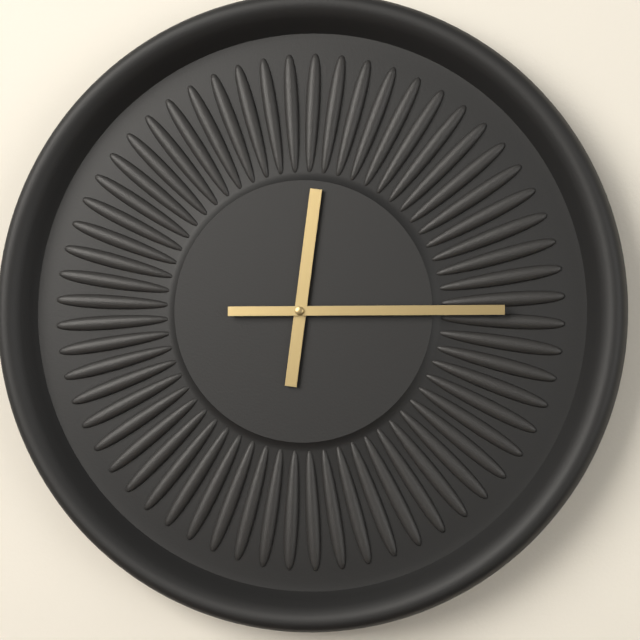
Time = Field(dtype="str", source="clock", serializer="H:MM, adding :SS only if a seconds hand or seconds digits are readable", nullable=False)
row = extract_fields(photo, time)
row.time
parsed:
12:15
